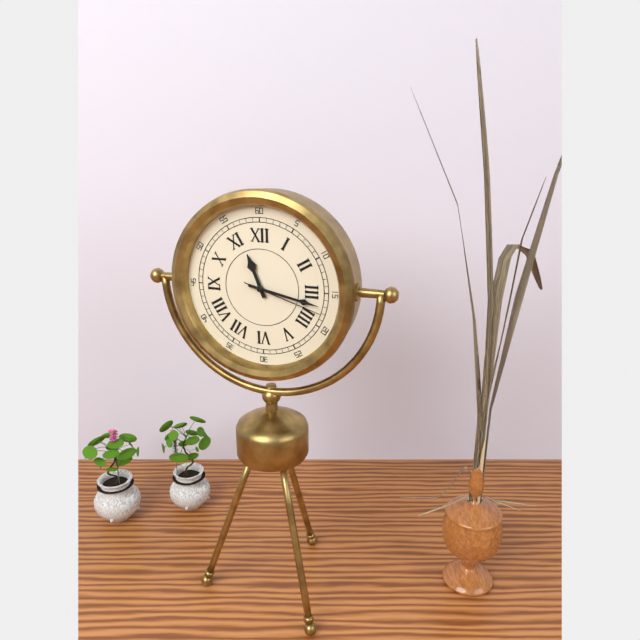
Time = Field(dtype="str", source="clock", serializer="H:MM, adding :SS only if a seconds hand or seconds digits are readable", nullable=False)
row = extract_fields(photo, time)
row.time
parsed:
11:17:18
